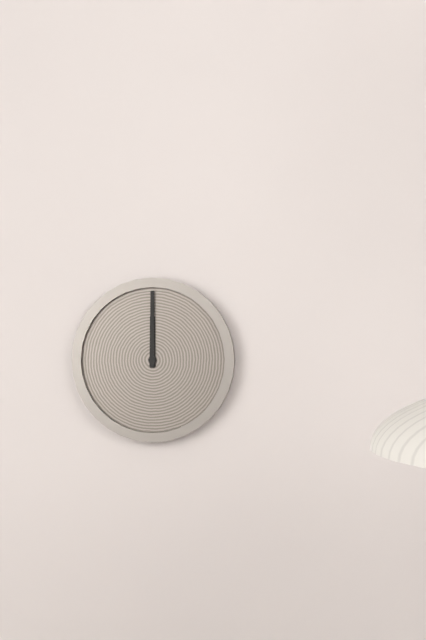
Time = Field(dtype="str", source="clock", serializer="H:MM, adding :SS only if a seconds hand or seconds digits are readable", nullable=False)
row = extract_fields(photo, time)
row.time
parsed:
12:00
